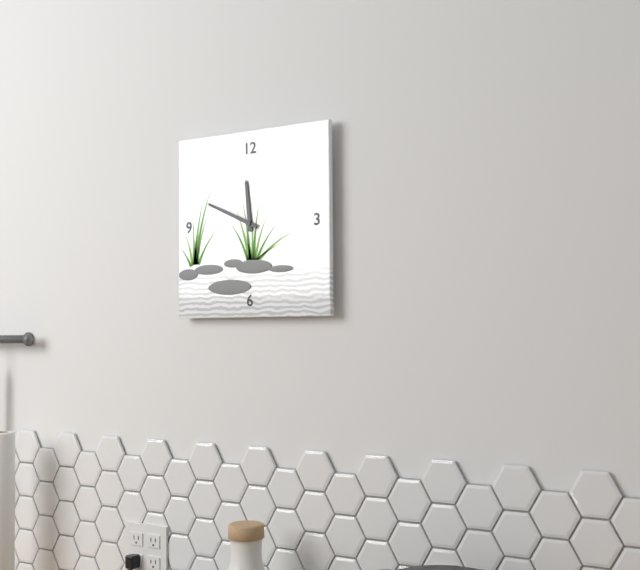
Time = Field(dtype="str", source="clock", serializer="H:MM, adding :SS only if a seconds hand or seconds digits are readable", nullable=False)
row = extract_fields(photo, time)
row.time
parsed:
11:49
